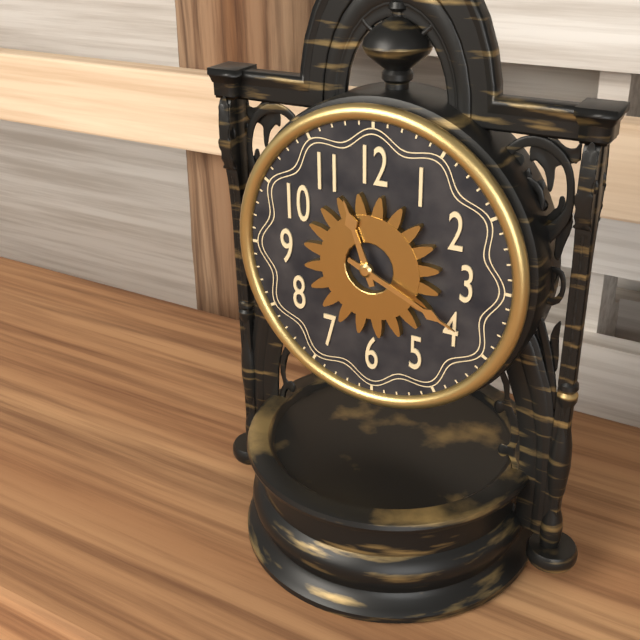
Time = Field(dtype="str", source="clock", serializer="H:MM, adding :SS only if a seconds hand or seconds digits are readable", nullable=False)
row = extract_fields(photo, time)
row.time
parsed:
11:19
